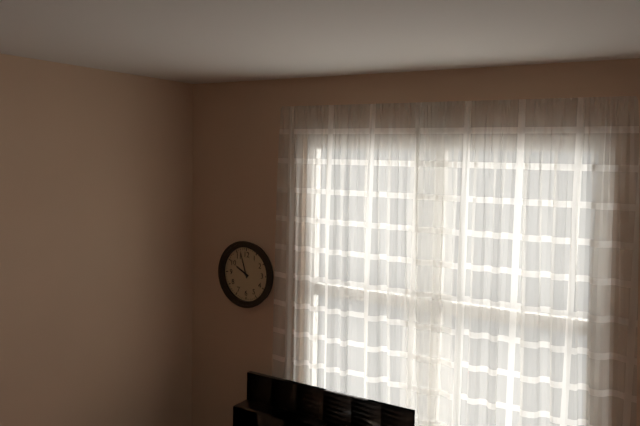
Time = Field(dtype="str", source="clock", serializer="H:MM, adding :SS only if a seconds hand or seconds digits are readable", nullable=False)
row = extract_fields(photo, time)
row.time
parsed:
9:57
